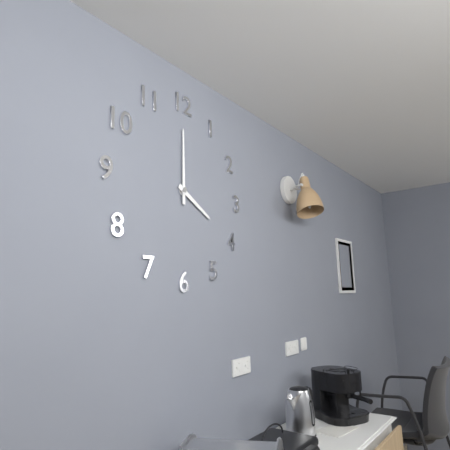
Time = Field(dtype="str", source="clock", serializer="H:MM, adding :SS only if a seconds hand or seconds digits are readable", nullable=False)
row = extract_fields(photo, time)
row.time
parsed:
4:00
